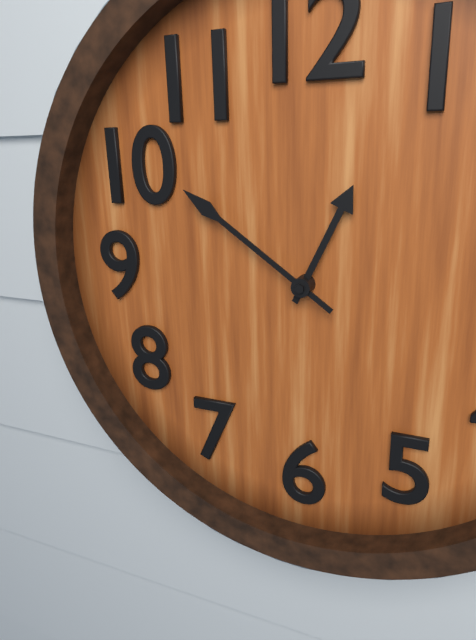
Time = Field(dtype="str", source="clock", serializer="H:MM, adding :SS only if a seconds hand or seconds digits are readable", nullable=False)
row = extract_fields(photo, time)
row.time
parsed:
12:51
